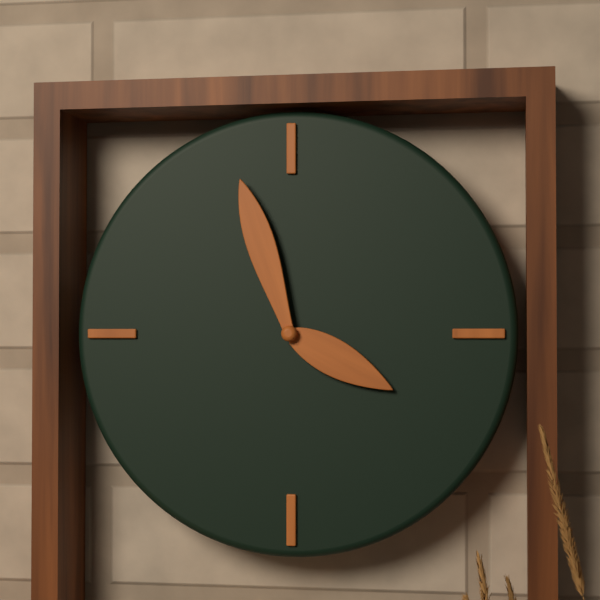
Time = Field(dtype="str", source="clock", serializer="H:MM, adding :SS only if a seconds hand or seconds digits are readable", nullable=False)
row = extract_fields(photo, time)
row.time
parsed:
3:57
